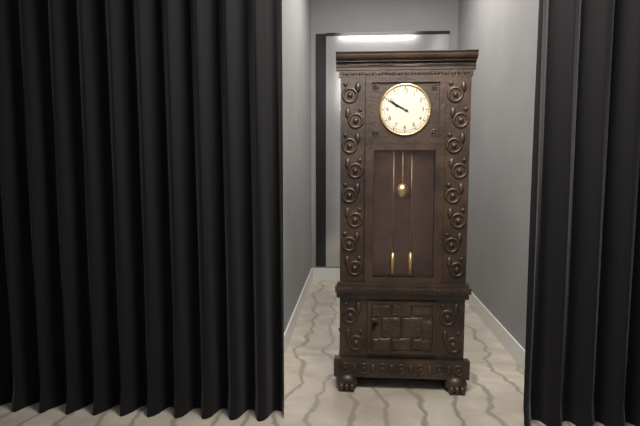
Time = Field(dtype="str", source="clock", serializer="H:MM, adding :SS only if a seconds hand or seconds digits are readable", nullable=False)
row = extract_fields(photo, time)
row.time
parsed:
9:50
